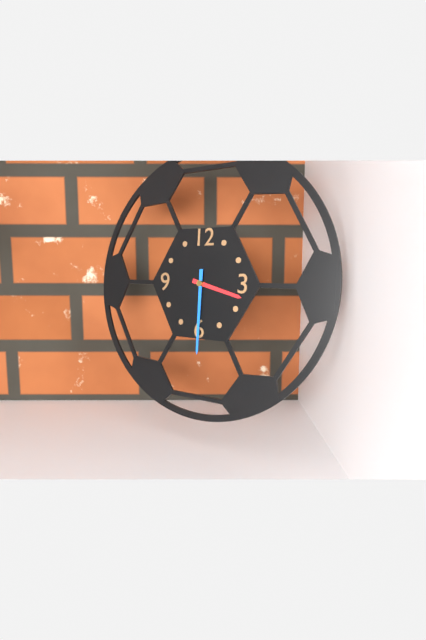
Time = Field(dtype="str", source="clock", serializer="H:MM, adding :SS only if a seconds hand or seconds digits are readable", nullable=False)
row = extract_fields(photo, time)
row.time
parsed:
3:30
